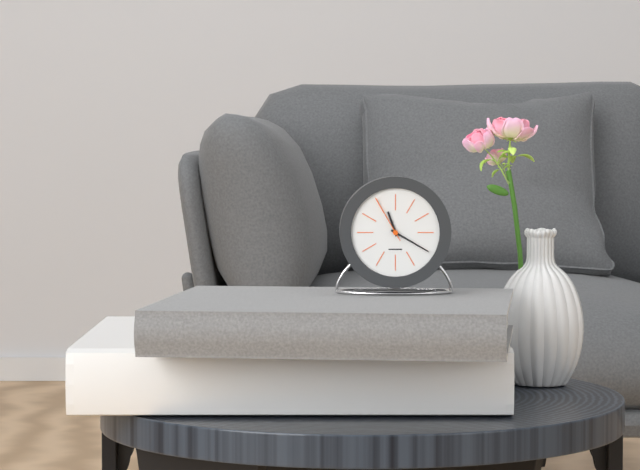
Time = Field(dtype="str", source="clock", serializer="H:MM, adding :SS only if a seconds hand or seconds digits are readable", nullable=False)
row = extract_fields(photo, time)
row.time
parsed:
11:20:55
